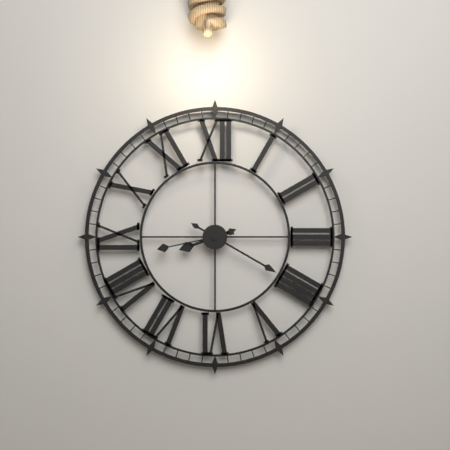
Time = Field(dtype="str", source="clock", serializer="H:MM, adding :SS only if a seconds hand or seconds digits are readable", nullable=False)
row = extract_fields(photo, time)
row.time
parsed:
8:20:43
